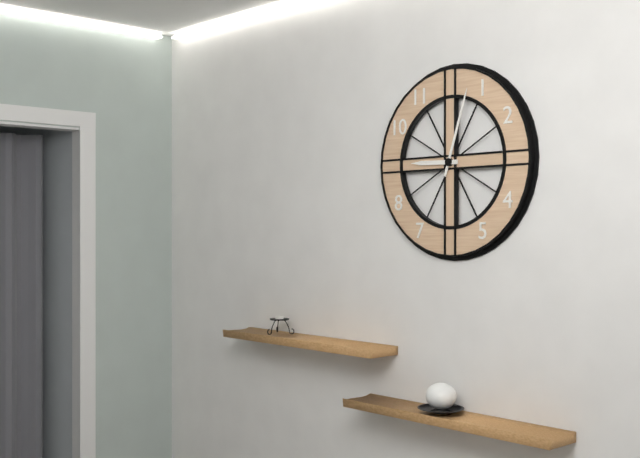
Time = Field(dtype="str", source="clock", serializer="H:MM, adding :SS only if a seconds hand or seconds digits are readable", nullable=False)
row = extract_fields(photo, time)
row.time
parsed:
9:03
